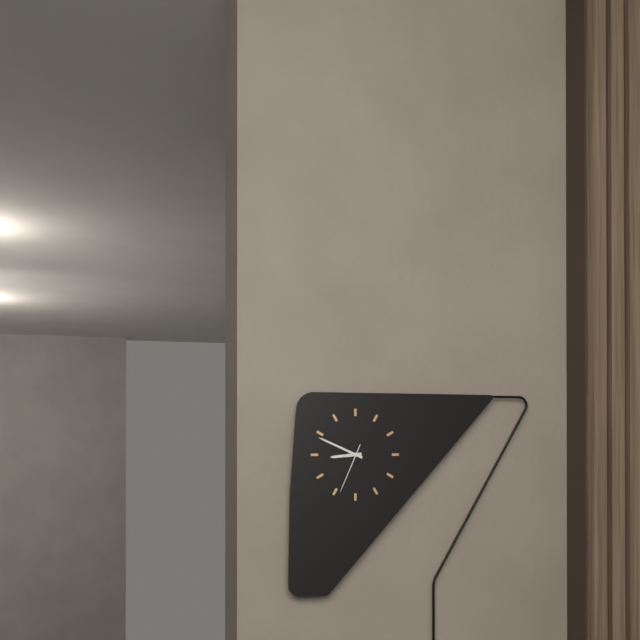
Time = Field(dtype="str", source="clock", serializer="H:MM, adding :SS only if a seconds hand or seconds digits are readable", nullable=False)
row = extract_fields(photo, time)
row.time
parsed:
8:49
